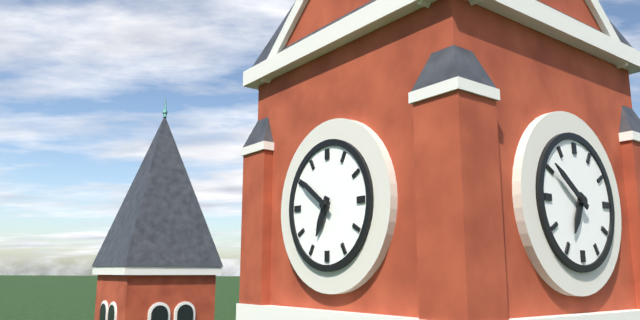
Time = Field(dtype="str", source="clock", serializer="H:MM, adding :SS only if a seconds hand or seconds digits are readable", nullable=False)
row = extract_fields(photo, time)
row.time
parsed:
6:51
